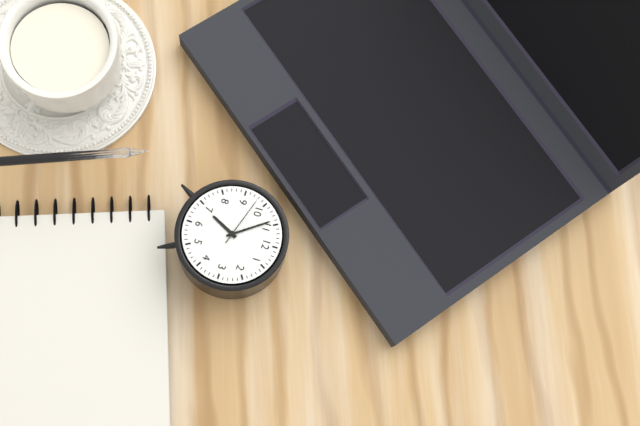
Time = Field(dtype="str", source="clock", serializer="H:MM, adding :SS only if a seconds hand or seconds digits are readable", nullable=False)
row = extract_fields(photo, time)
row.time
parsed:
6:54:48
